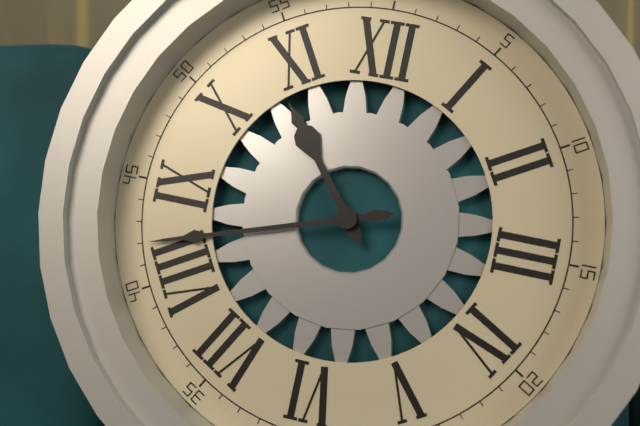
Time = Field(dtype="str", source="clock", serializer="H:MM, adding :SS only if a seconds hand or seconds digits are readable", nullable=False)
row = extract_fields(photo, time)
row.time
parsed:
10:42
